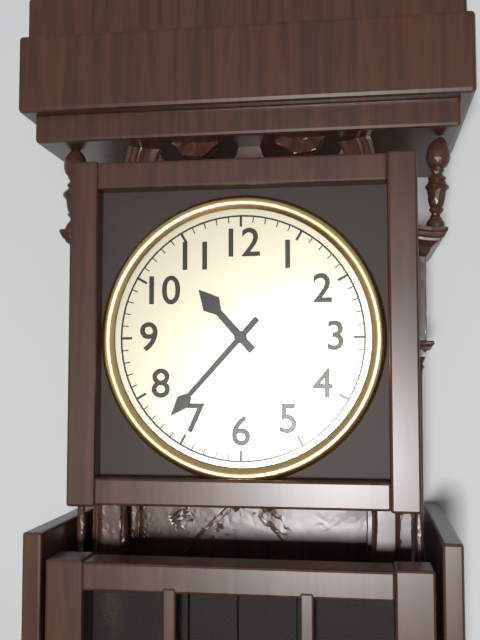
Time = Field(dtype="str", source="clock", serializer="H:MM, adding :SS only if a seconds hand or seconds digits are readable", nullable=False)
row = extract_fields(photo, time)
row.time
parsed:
10:37
